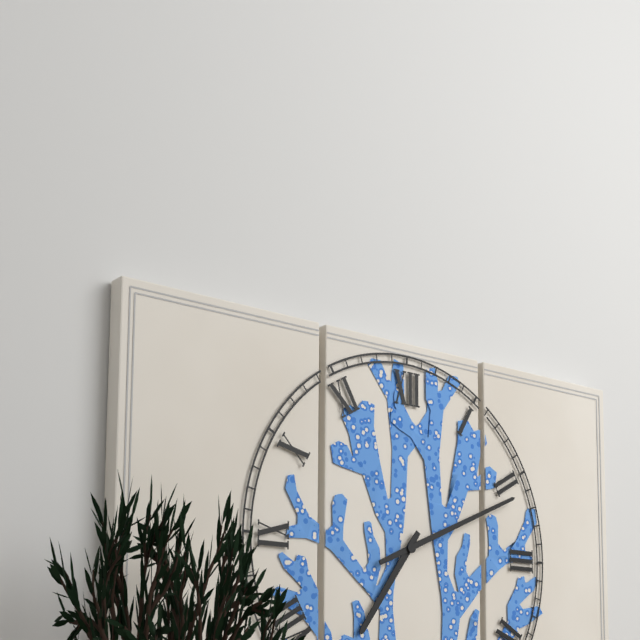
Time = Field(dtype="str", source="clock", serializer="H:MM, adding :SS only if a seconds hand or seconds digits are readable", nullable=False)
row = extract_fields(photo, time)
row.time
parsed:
7:11
